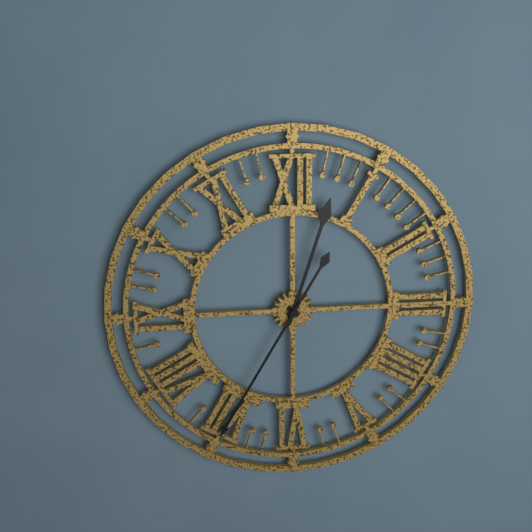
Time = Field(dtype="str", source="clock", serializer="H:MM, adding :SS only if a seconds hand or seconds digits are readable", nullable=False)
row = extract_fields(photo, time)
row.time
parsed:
12:35
